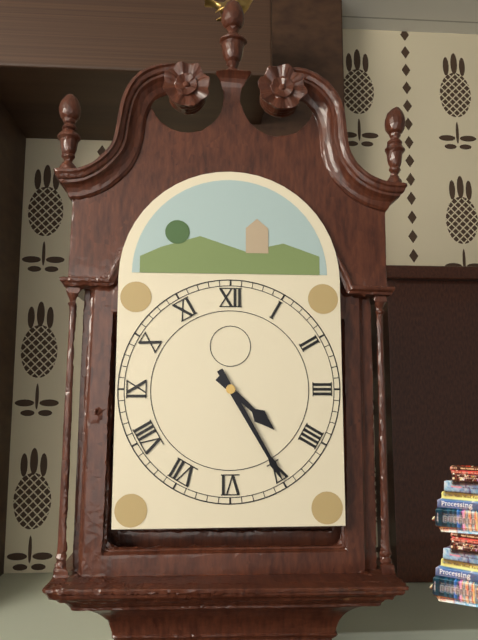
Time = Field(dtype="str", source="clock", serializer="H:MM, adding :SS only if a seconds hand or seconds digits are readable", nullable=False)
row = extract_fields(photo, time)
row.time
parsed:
4:25
